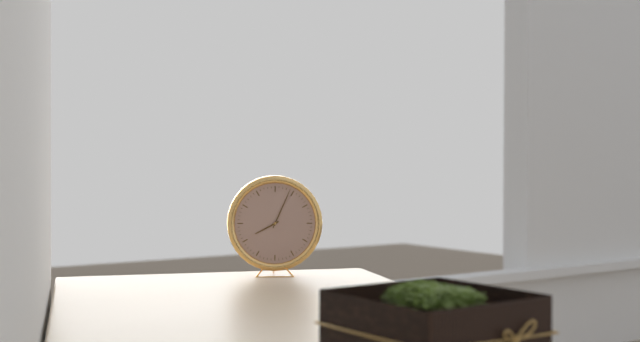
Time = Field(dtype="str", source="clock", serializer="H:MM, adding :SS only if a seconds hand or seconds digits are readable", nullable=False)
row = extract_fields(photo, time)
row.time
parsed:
8:04
